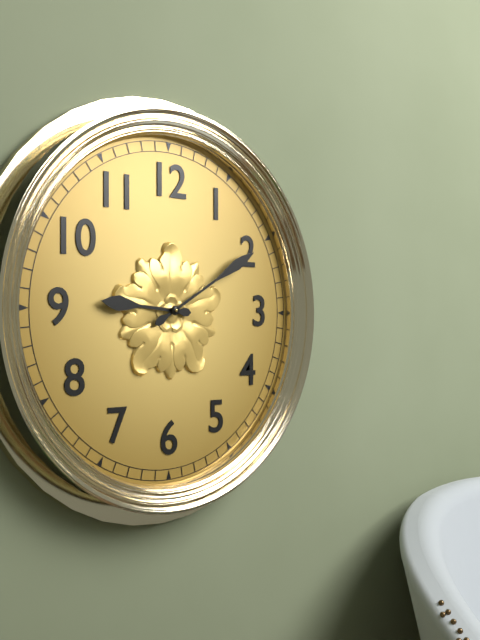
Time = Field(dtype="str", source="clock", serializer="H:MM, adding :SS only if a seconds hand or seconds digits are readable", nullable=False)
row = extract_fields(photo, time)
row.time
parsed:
9:10
